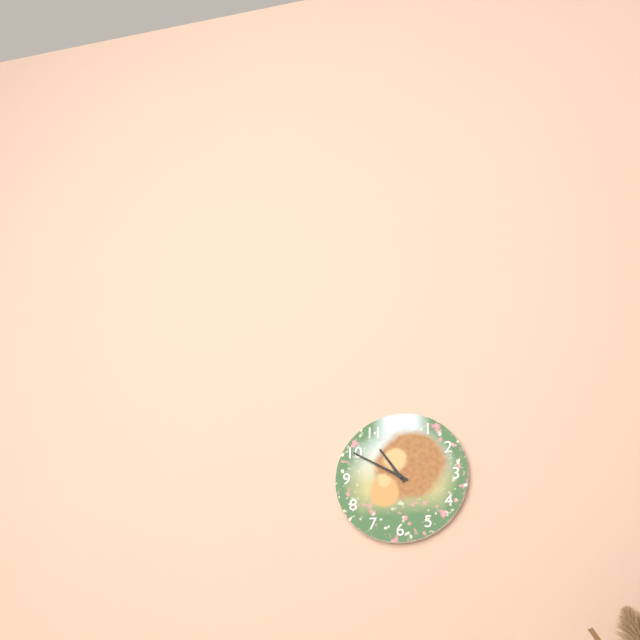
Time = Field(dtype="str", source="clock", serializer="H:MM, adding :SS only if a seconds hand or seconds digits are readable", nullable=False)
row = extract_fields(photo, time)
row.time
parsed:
10:50
